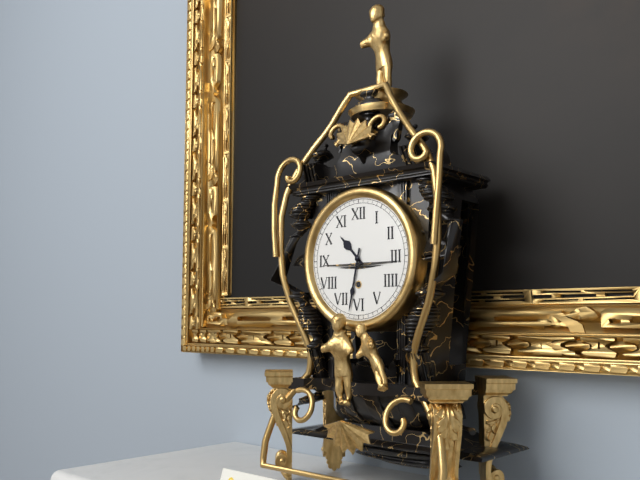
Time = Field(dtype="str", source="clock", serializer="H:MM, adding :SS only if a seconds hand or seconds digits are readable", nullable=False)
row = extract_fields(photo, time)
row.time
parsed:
10:32
